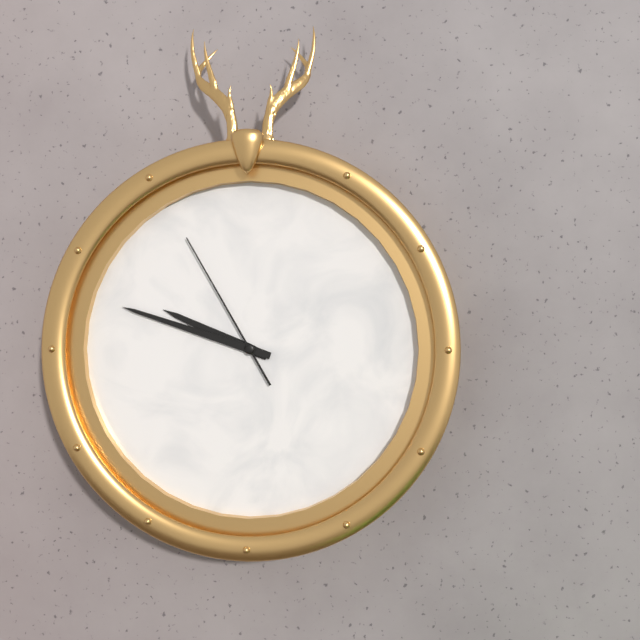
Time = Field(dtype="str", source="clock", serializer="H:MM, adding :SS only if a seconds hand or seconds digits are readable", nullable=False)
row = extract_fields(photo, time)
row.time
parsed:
9:48:55
